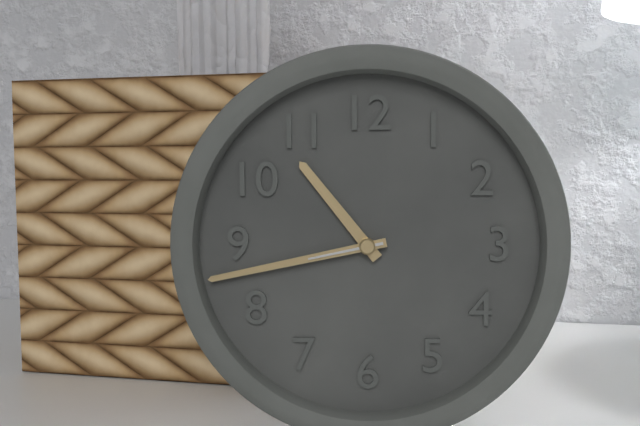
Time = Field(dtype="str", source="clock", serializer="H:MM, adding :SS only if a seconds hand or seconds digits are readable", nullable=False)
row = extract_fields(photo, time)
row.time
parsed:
10:43:43
